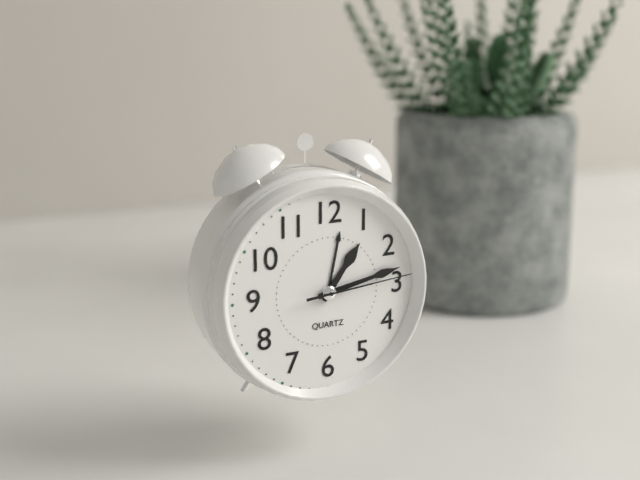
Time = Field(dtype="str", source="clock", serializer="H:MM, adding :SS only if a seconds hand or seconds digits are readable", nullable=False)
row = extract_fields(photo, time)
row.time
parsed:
1:13:14
